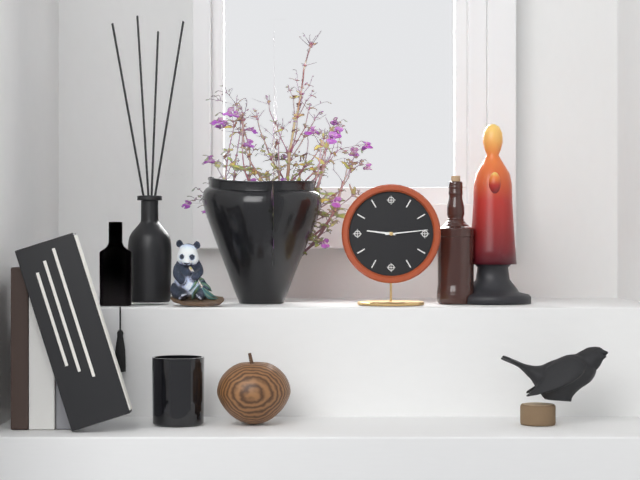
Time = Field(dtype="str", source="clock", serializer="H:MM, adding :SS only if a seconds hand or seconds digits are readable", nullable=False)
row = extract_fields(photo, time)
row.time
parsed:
9:14
